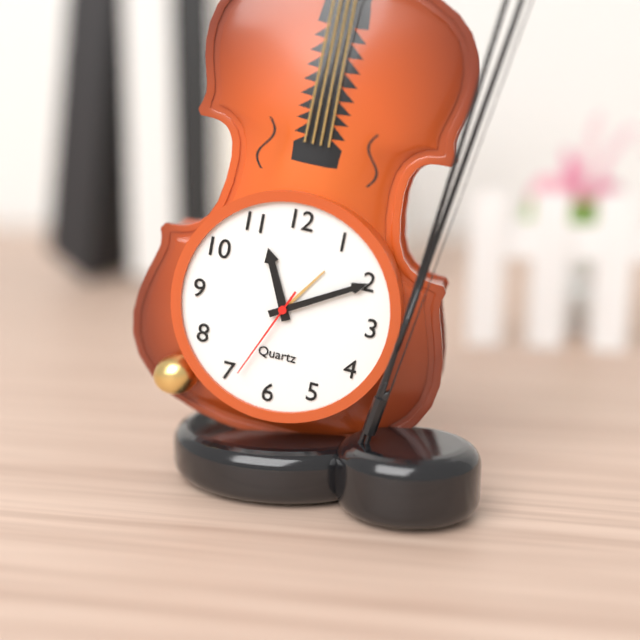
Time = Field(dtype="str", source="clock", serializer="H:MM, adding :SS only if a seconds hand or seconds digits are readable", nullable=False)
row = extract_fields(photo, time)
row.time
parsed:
11:10:34
